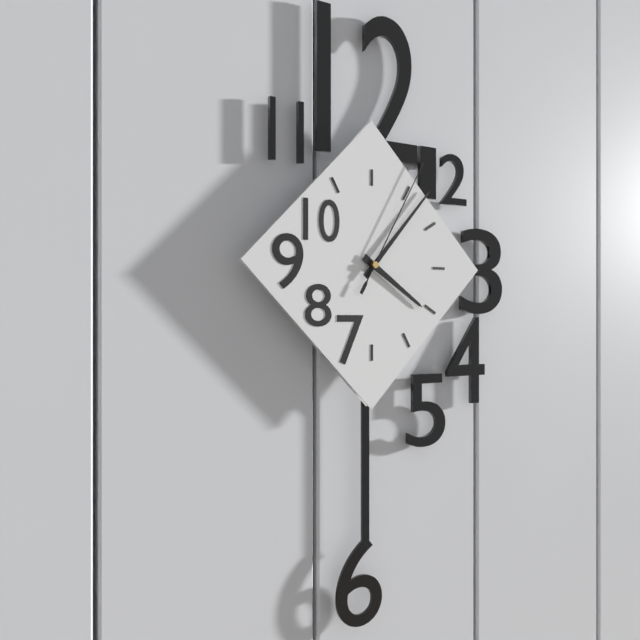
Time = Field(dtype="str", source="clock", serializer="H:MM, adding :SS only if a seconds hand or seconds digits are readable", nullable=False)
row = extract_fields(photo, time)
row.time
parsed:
4:07:05
